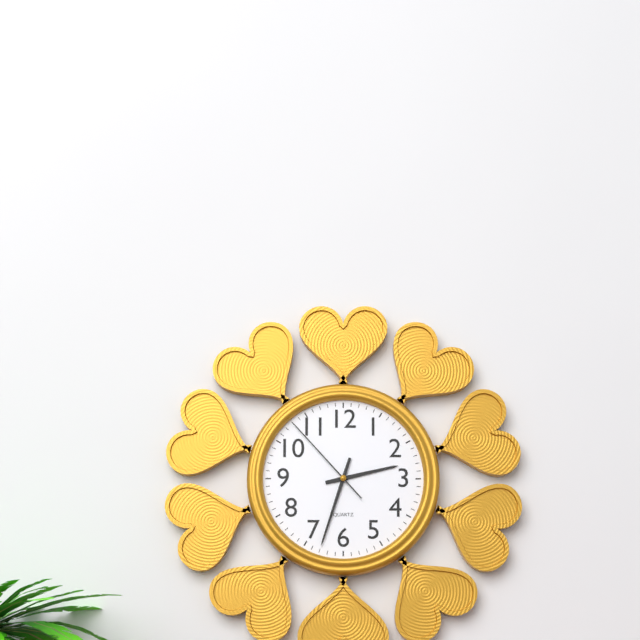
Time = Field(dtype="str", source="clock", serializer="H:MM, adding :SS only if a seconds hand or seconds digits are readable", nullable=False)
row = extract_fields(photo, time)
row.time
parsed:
2:33:53
